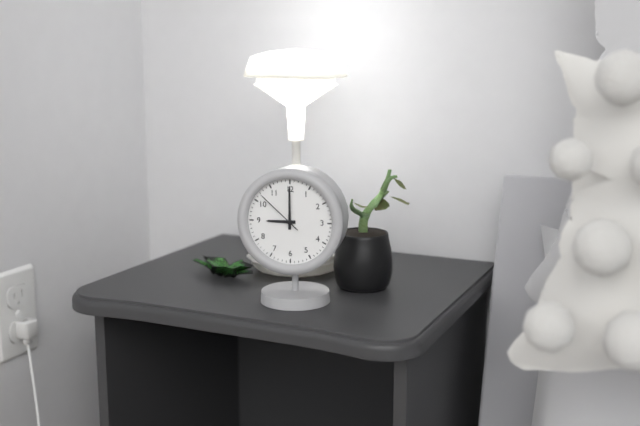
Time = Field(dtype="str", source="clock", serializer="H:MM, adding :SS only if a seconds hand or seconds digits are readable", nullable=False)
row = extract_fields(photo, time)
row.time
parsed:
9:00
